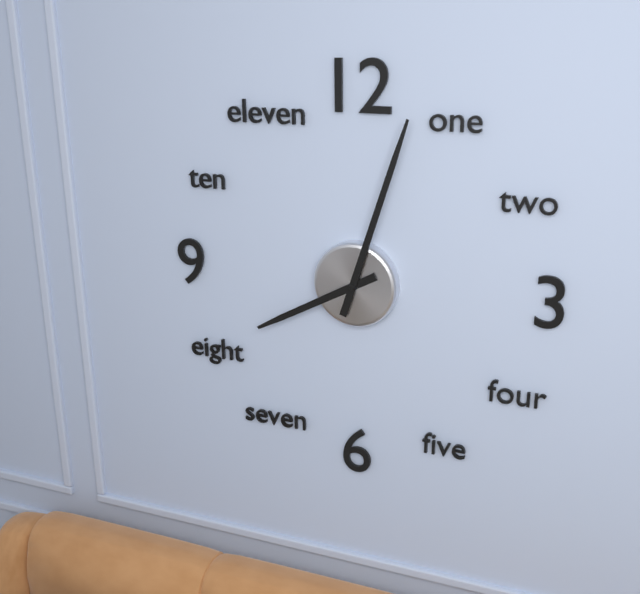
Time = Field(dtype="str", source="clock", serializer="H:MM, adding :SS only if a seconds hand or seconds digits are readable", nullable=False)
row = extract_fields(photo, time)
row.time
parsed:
8:03
